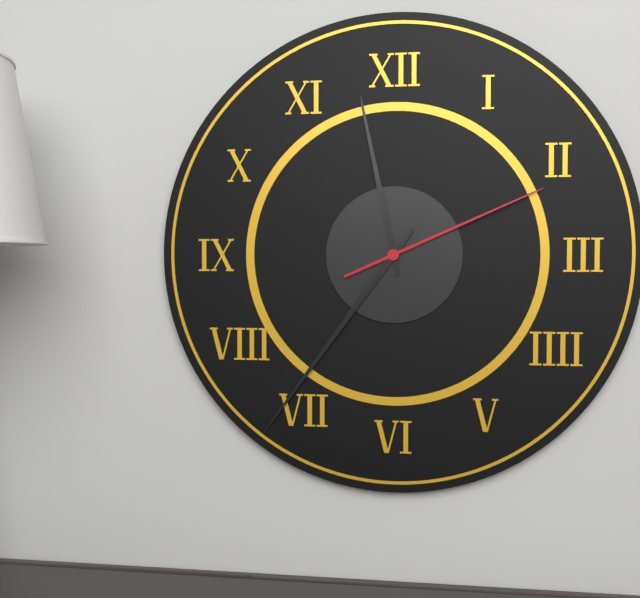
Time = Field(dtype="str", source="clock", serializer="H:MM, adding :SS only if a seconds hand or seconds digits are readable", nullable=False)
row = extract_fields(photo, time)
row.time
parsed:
11:36:11
